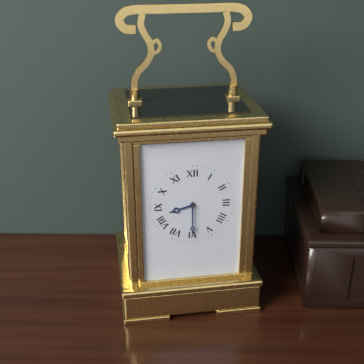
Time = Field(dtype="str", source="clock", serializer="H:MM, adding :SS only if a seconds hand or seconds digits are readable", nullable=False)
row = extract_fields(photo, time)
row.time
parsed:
8:30
